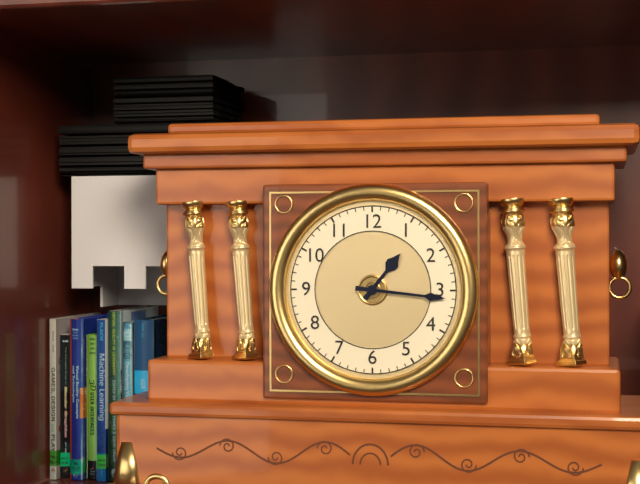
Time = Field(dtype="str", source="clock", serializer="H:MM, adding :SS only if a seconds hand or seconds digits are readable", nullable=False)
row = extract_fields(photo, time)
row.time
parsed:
1:16
